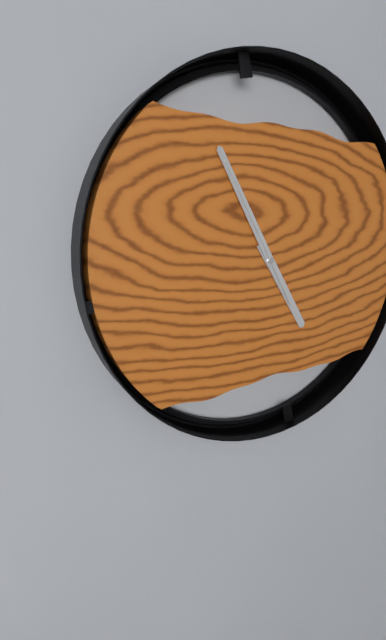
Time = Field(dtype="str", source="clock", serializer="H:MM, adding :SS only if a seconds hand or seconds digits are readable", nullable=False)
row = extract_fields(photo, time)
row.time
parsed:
4:55:55
